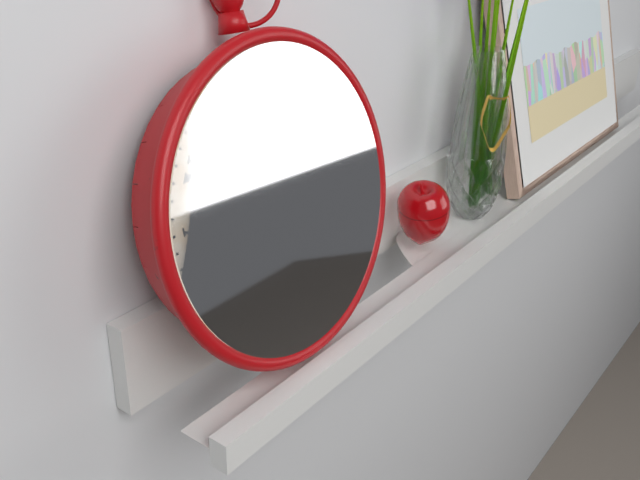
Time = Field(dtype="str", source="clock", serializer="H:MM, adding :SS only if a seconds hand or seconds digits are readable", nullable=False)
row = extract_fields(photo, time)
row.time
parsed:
3:07
